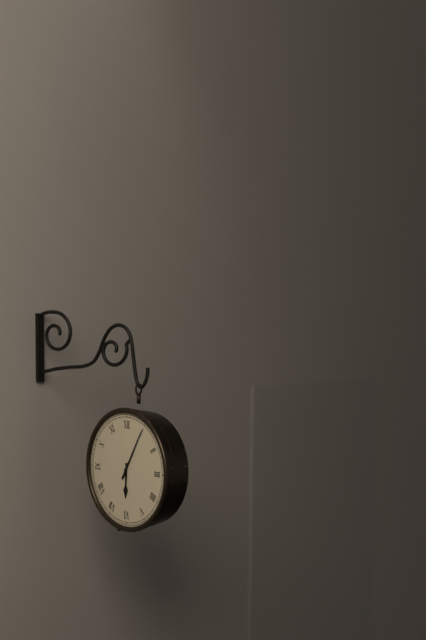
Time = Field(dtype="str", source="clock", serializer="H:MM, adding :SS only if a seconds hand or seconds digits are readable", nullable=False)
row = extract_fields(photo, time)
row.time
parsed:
6:05
